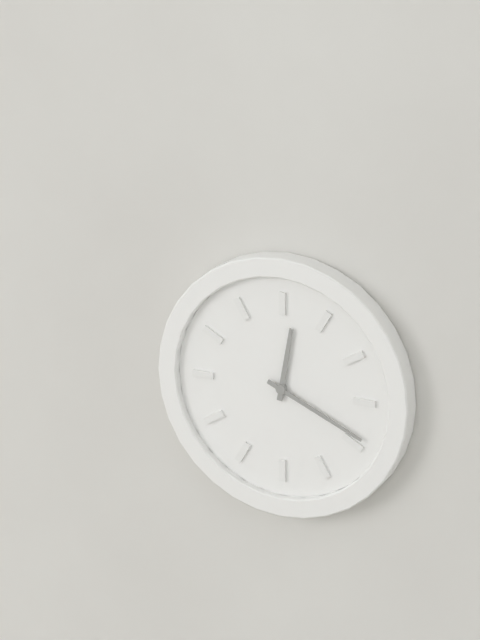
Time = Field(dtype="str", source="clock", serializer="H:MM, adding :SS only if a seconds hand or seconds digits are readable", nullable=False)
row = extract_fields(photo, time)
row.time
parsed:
12:19
